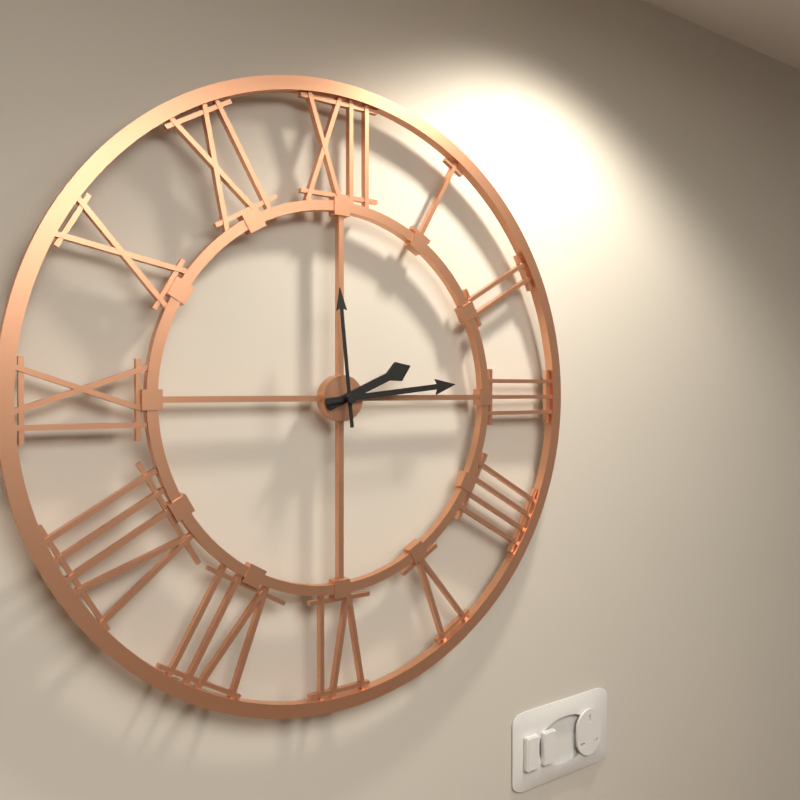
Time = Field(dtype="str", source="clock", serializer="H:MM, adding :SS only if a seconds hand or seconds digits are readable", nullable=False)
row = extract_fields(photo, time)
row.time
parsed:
2:14:59
